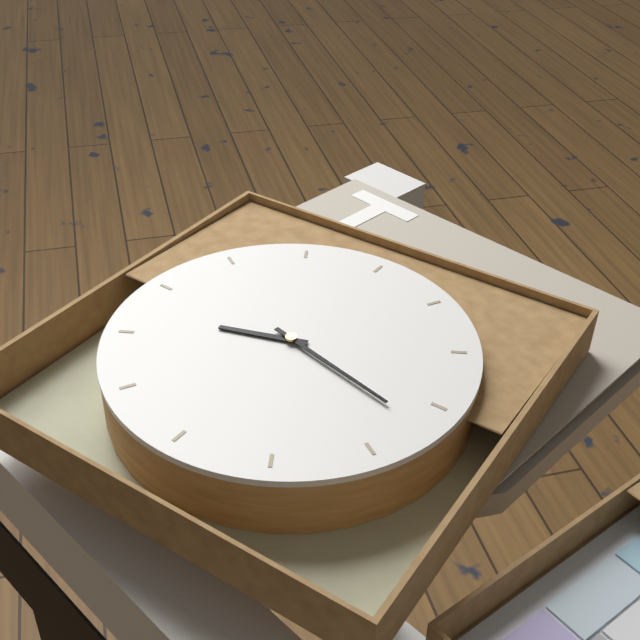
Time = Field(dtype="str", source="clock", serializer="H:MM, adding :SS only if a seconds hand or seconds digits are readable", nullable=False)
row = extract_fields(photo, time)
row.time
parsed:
9:22
